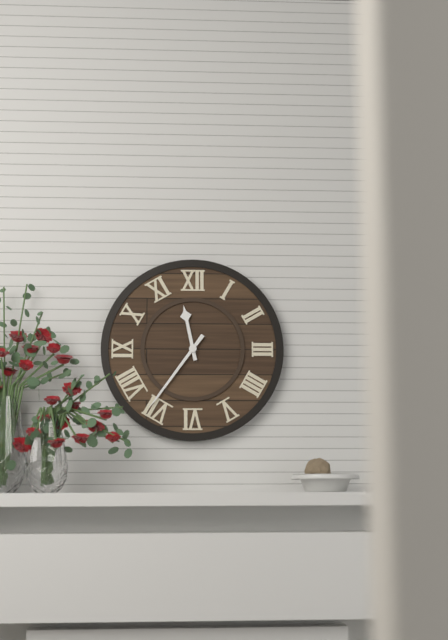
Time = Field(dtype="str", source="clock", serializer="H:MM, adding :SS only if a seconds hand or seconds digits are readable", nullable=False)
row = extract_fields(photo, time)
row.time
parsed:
11:36
